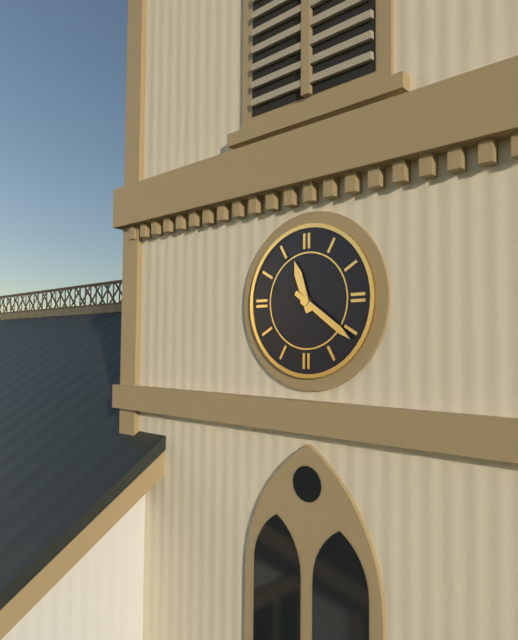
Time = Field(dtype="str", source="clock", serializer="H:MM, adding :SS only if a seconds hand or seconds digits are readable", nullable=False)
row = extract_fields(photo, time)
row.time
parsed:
11:21
